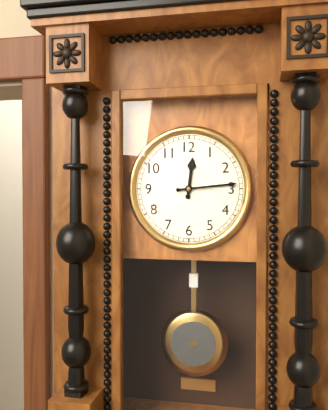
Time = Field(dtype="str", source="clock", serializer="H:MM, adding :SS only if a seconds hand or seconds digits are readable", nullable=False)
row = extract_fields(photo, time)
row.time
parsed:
12:14
